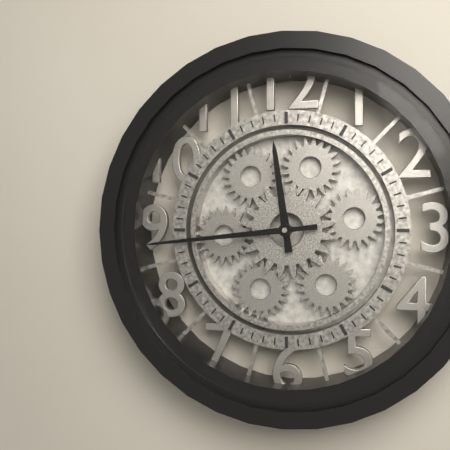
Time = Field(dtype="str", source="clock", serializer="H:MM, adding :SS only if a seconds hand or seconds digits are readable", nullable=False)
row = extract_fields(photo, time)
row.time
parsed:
11:44
